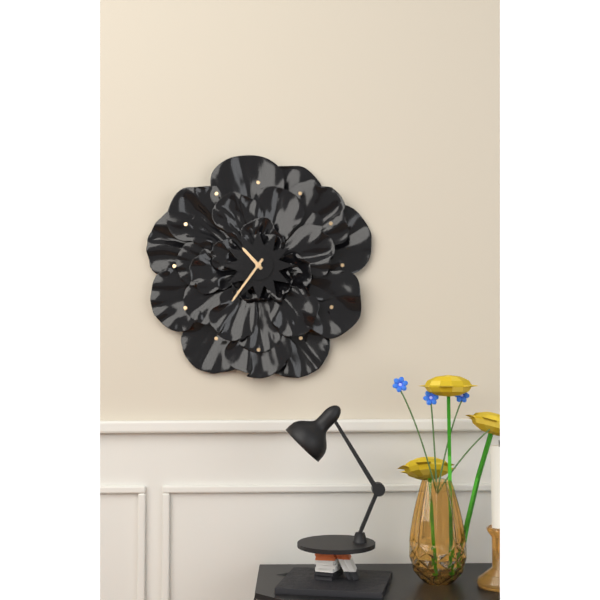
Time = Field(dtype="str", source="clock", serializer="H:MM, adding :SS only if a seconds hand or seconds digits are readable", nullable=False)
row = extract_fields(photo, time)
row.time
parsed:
10:36
